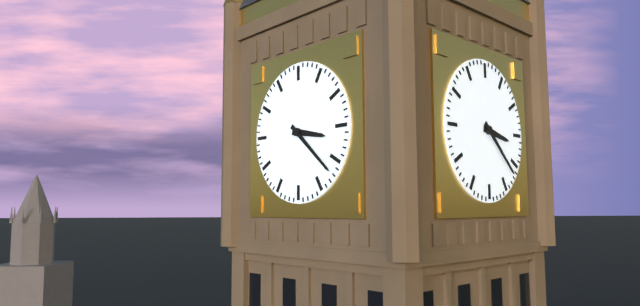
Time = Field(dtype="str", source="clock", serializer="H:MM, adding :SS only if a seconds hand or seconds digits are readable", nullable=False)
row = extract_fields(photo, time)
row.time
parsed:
3:22
